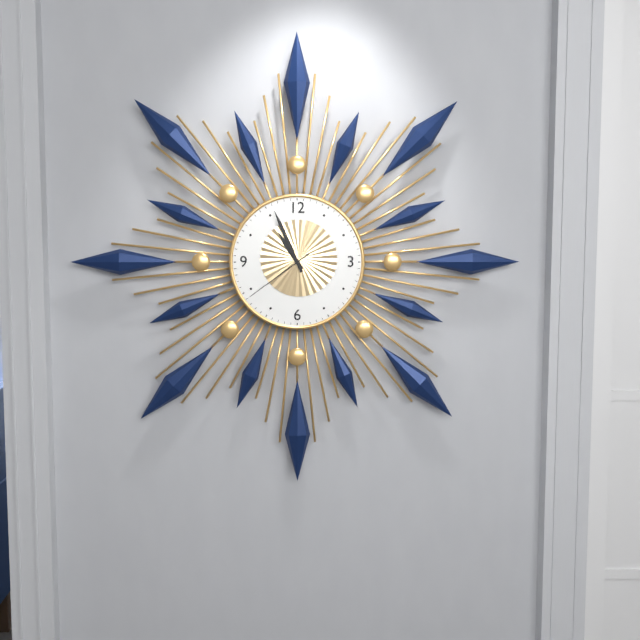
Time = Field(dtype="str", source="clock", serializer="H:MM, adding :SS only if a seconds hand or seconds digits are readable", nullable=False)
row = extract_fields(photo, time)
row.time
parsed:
10:56:39
